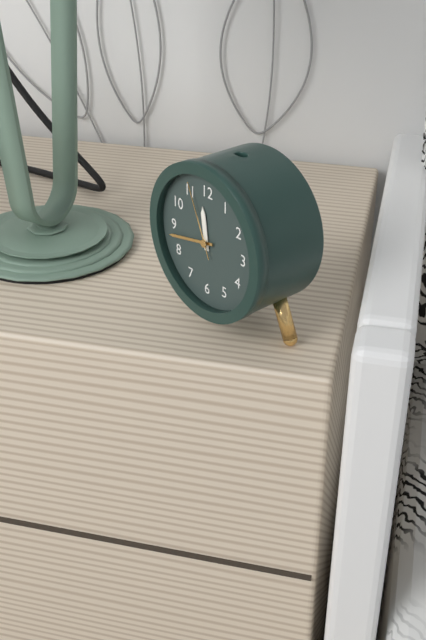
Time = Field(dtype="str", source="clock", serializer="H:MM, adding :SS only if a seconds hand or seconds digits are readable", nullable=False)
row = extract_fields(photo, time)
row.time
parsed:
11:43:56
